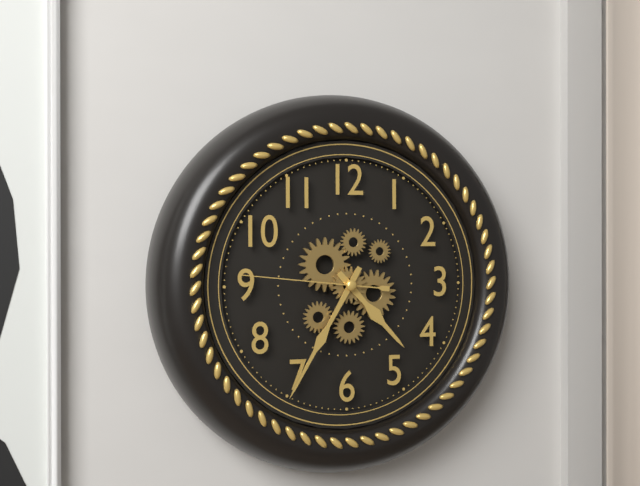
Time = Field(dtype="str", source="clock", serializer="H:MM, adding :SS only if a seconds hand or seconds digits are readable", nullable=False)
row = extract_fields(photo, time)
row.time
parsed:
4:35:46
